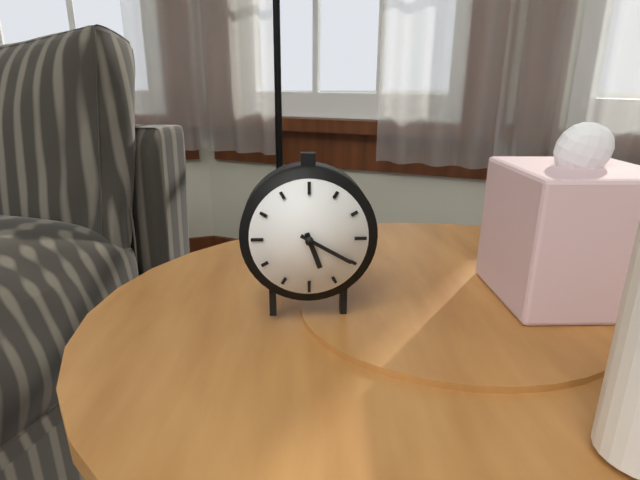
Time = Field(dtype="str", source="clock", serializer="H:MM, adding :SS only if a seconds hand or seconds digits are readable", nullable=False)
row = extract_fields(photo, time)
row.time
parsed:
5:20
